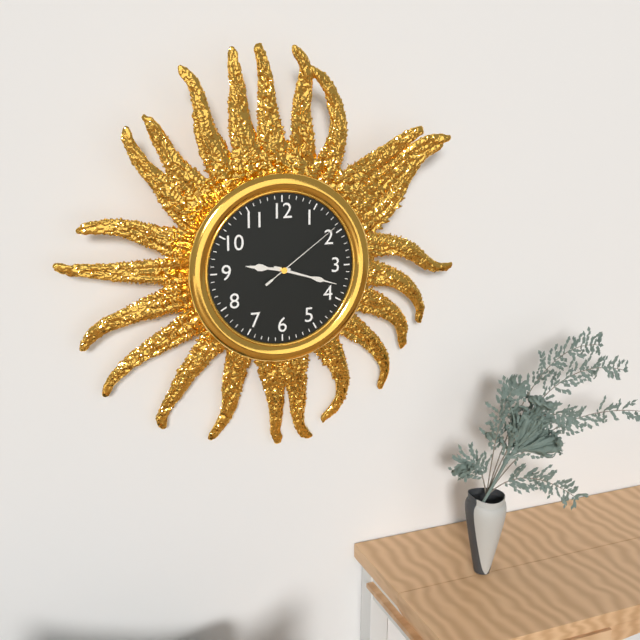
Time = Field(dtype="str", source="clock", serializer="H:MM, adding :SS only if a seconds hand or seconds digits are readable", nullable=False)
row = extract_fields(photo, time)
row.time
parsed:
9:18:09
